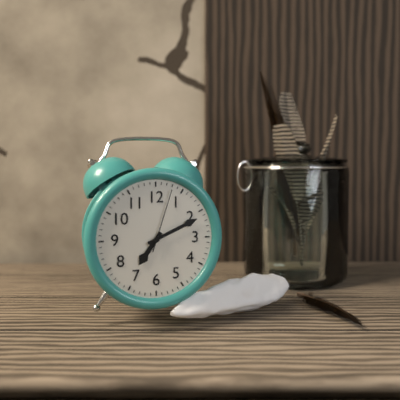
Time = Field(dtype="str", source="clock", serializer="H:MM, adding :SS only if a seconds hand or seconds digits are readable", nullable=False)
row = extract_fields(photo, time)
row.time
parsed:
7:11:03
